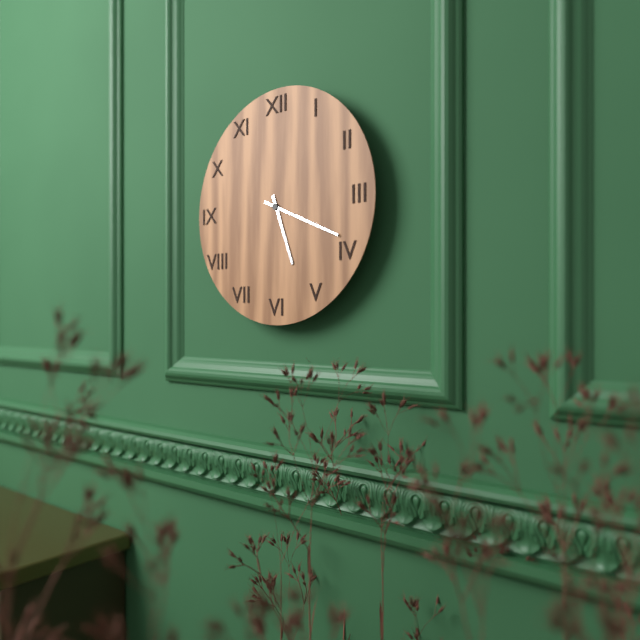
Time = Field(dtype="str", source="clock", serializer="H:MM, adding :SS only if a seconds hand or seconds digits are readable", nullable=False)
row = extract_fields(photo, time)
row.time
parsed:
5:19
